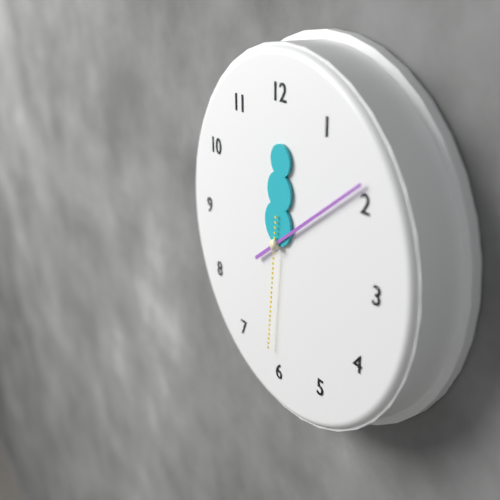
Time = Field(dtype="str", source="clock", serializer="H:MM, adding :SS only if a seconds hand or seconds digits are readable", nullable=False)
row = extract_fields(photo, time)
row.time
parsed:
12:09:31
